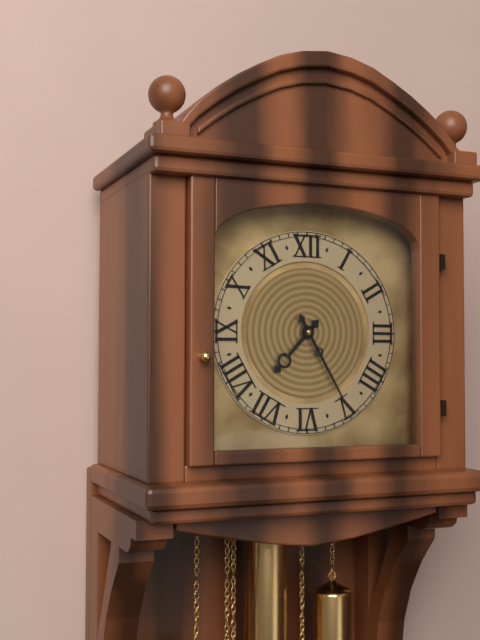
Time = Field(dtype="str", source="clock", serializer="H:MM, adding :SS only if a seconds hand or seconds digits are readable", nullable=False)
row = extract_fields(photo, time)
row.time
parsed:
7:25
